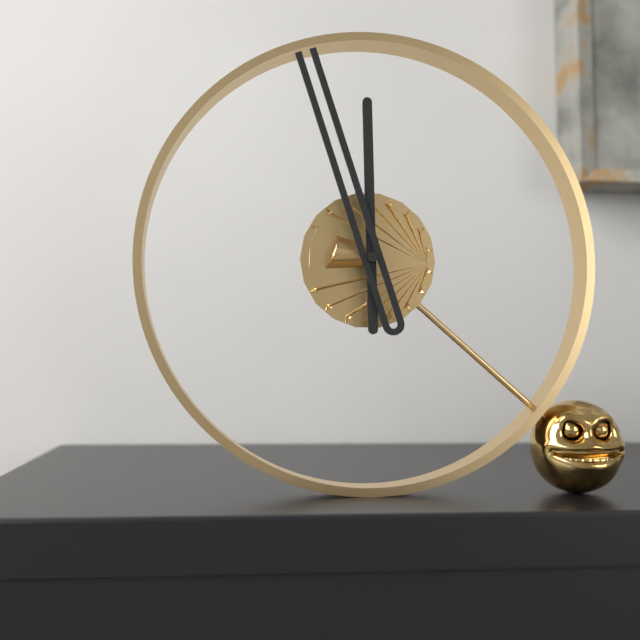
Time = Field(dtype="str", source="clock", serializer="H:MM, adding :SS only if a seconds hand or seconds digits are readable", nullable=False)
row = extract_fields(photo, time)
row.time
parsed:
11:57
